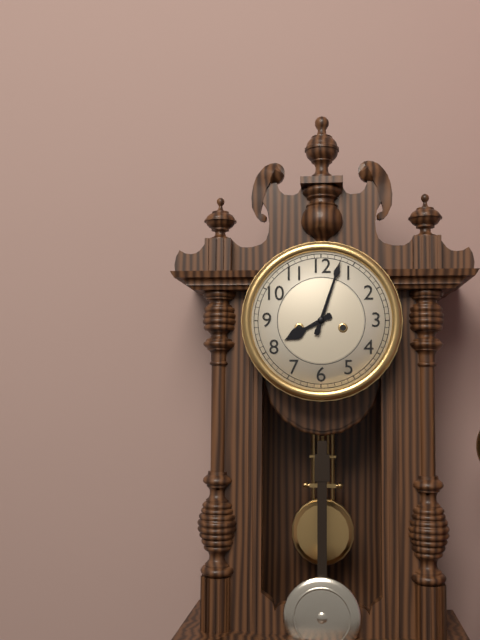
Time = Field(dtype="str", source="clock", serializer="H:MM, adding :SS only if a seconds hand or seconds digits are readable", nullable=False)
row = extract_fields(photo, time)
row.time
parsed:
8:03
